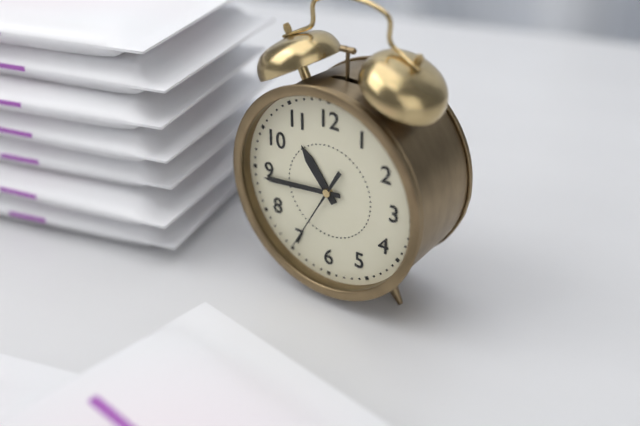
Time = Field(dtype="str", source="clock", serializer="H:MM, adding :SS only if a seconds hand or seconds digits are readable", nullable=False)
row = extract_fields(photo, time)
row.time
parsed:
10:44:35
